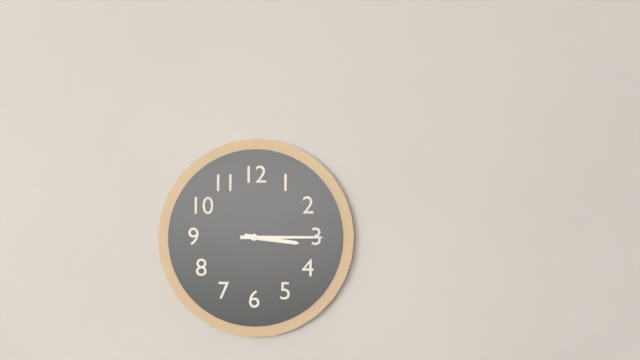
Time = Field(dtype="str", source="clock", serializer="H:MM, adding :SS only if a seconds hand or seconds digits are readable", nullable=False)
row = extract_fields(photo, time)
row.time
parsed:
3:15
